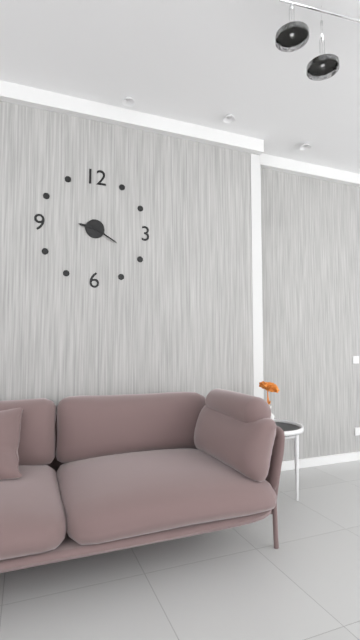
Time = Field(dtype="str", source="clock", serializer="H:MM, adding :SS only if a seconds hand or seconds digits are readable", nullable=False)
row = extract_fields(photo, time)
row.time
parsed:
9:20
